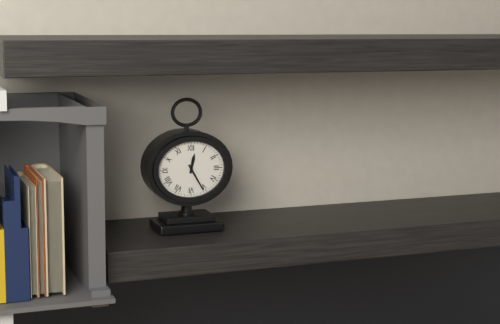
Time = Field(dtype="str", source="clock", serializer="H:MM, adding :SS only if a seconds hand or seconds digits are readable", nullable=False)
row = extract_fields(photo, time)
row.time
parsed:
12:25
